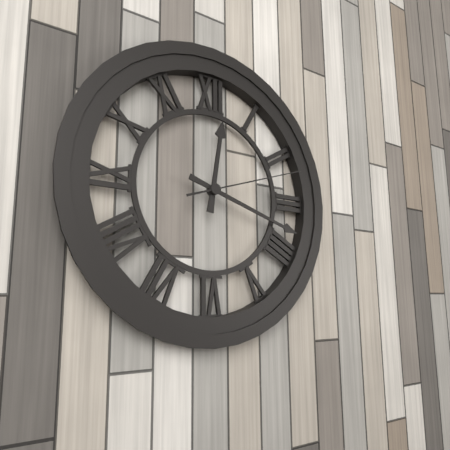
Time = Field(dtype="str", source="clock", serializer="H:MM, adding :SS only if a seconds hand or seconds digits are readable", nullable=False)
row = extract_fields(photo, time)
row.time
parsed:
12:18:12
